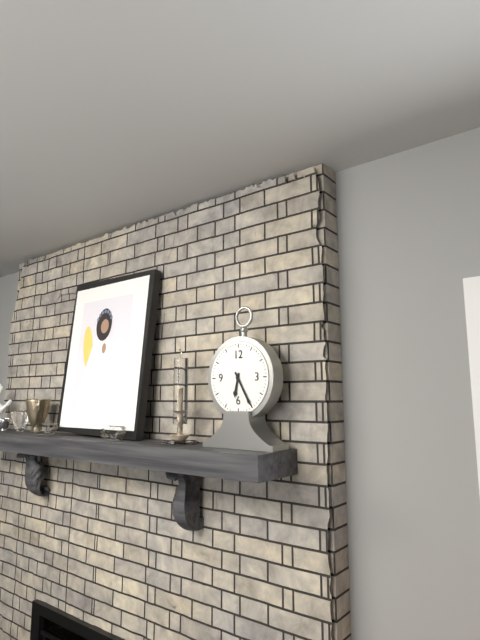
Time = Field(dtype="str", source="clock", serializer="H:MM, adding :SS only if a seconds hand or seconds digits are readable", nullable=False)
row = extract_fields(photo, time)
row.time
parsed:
6:25
